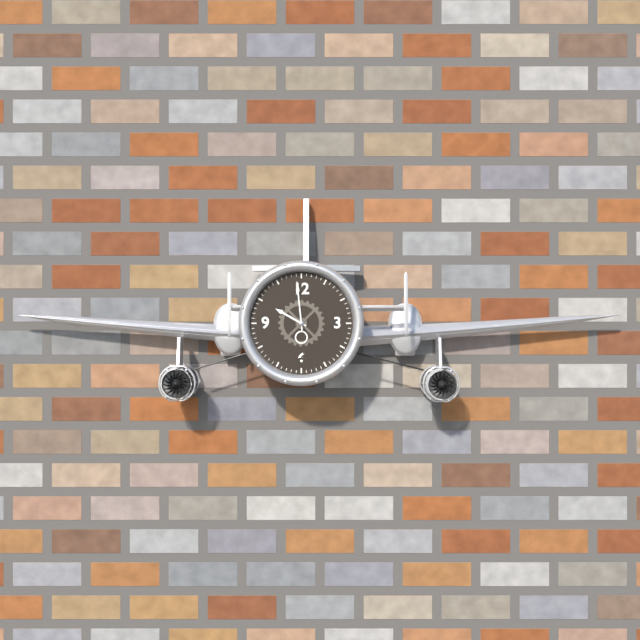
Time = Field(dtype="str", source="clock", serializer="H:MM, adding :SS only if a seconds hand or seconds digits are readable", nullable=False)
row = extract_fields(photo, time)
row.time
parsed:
9:59
